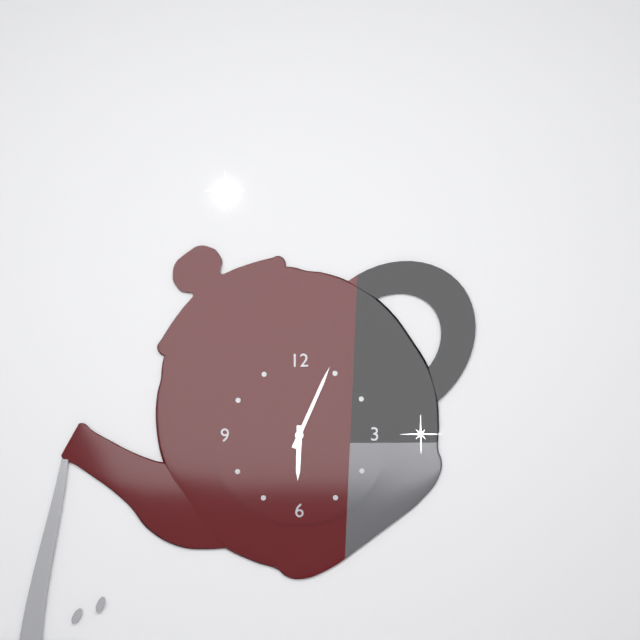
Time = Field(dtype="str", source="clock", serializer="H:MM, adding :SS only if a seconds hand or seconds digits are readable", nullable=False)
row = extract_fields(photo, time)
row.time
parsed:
6:04
